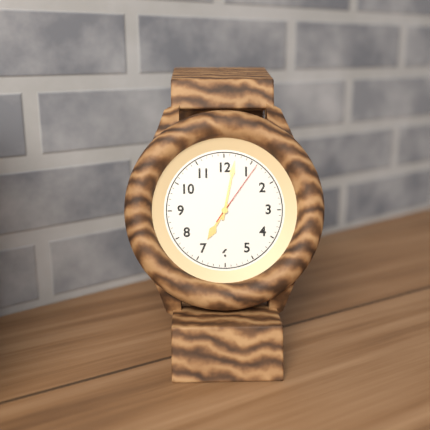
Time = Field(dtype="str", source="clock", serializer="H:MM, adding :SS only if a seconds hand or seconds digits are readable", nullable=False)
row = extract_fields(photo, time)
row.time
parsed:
7:02:06
